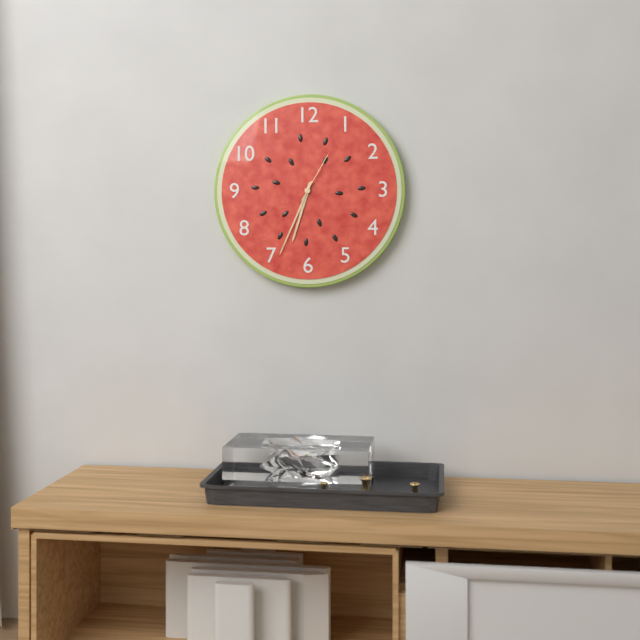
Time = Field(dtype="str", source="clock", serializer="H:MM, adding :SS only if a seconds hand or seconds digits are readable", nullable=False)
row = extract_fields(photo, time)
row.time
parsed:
6:34:05
